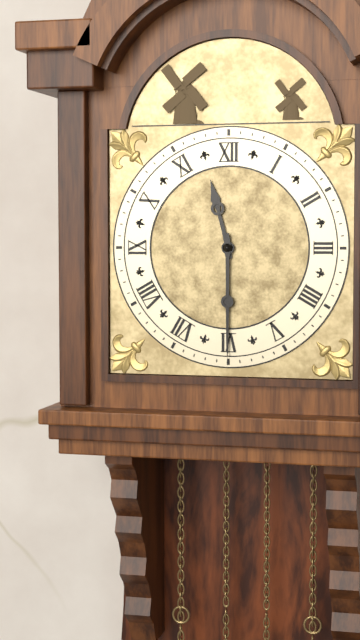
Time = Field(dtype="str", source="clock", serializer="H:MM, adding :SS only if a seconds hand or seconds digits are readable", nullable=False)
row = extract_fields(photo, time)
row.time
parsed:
11:30
